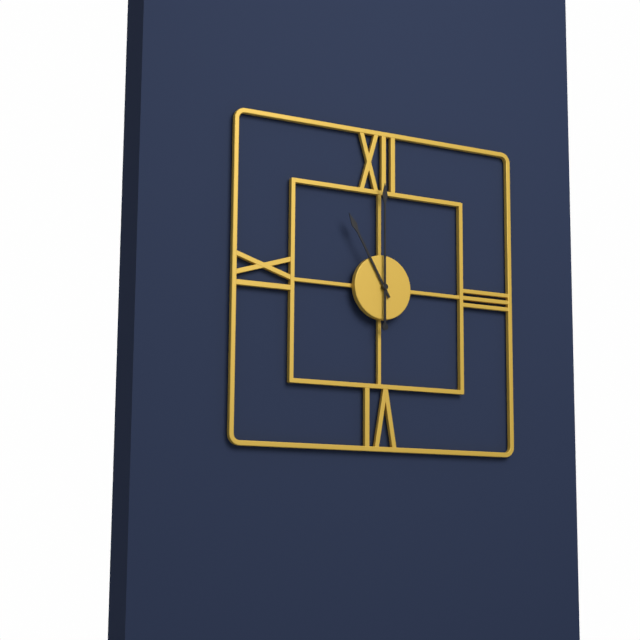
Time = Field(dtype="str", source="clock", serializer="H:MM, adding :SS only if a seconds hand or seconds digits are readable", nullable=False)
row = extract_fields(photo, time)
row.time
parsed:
11:00
